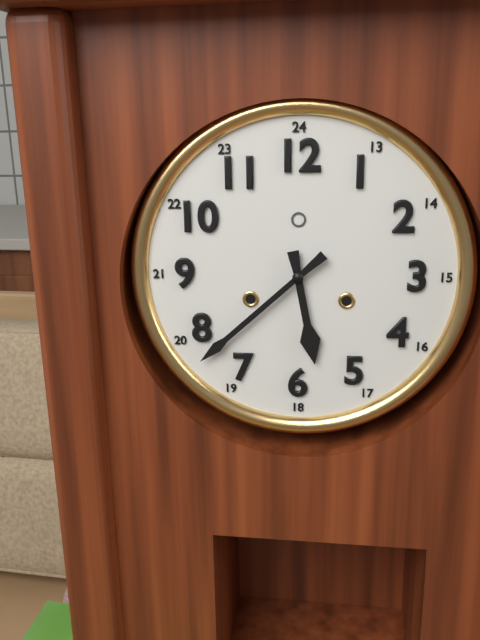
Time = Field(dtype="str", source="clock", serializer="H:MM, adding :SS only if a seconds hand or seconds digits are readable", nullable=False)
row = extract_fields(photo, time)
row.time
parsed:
5:38
